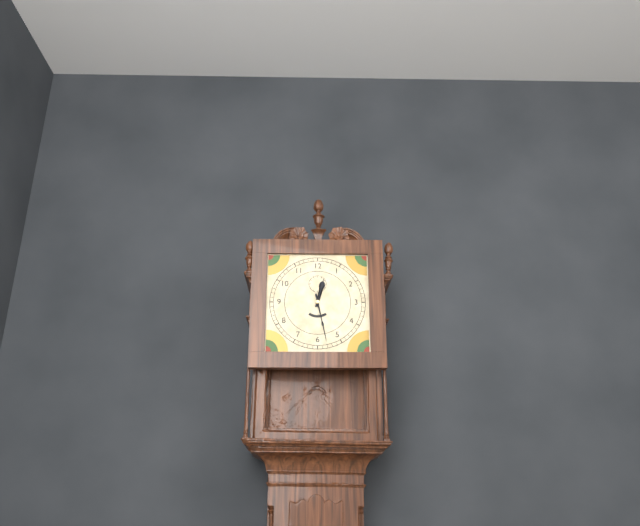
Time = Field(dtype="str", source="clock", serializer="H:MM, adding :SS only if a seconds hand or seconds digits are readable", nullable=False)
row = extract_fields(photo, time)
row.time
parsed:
12:28
